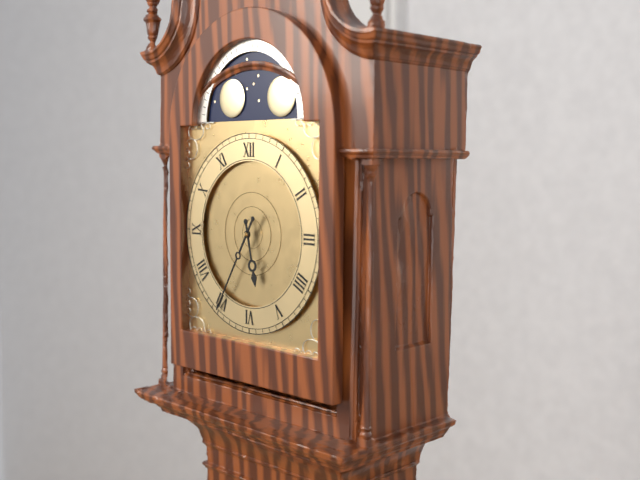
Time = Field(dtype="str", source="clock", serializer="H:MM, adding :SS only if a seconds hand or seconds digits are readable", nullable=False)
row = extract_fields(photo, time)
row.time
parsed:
5:35
